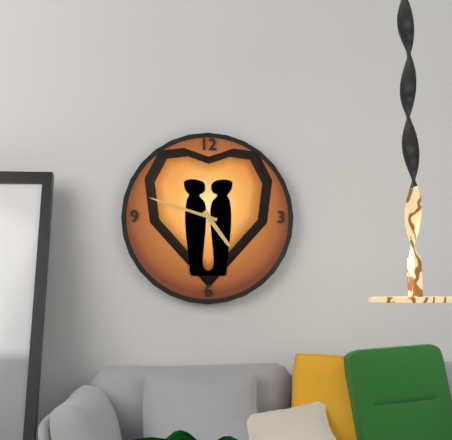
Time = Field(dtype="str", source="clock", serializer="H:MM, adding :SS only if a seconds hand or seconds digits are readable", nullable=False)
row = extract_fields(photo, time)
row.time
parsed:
4:48
